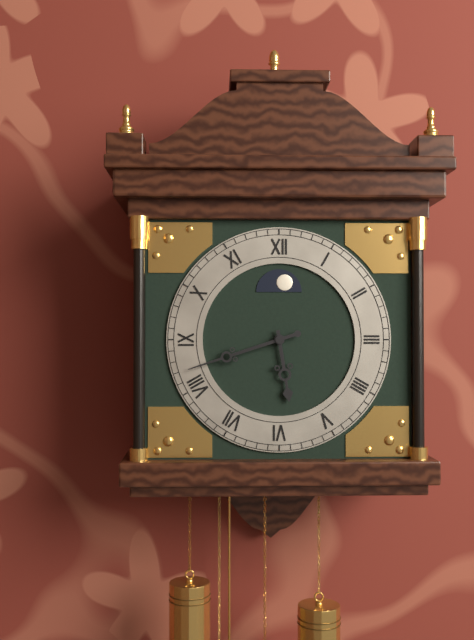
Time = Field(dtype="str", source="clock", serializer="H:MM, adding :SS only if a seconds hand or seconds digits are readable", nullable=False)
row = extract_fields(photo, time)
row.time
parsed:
5:42
